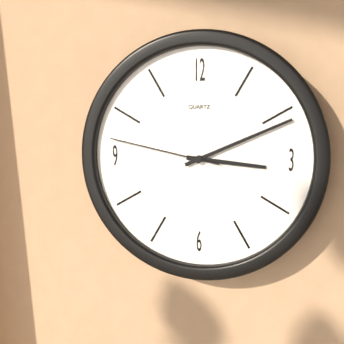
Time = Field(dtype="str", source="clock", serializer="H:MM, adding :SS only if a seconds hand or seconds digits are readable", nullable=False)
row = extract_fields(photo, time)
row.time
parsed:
3:11:47
